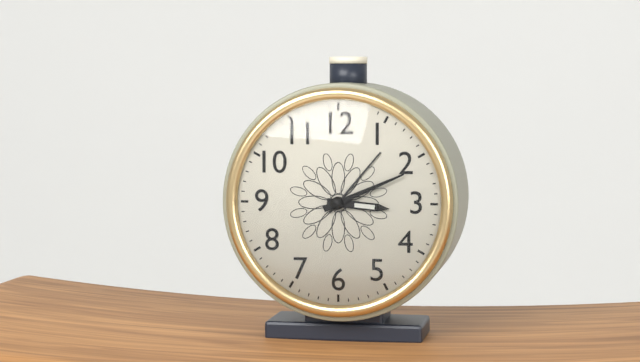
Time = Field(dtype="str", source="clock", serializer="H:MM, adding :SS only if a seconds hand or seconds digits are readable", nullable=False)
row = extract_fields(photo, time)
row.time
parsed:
3:11
